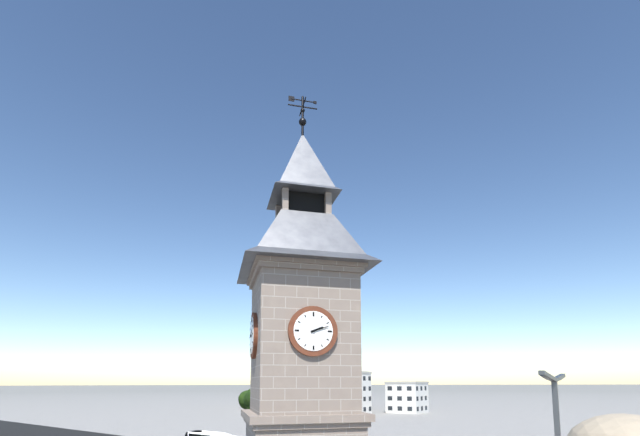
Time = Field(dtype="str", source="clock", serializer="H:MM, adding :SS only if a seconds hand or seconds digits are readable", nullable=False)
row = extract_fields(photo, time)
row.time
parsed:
2:12
